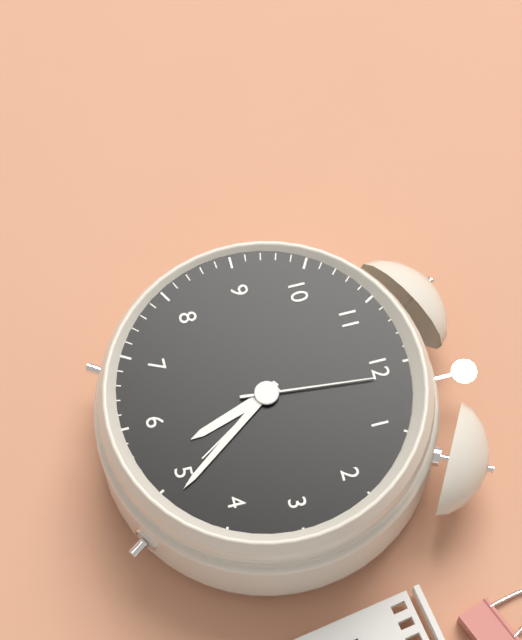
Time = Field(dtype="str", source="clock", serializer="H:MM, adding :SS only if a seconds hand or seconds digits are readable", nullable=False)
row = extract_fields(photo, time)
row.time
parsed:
5:24:01
